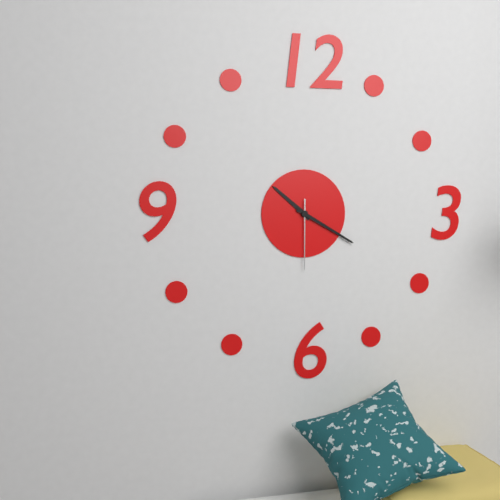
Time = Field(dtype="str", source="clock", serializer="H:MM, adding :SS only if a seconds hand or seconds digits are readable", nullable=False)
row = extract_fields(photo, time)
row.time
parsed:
10:20:30
